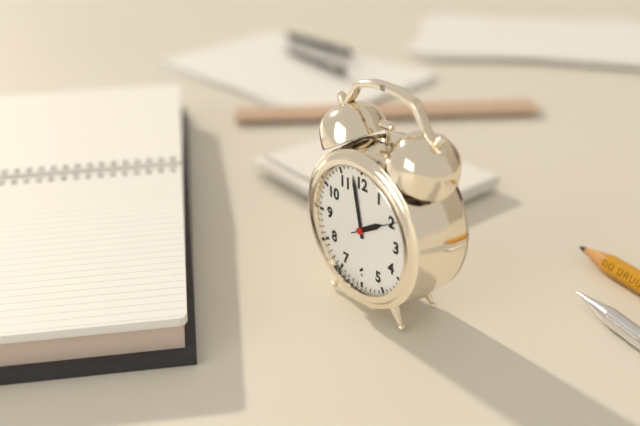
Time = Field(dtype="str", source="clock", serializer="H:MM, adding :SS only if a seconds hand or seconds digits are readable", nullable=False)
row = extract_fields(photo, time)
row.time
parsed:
1:58
